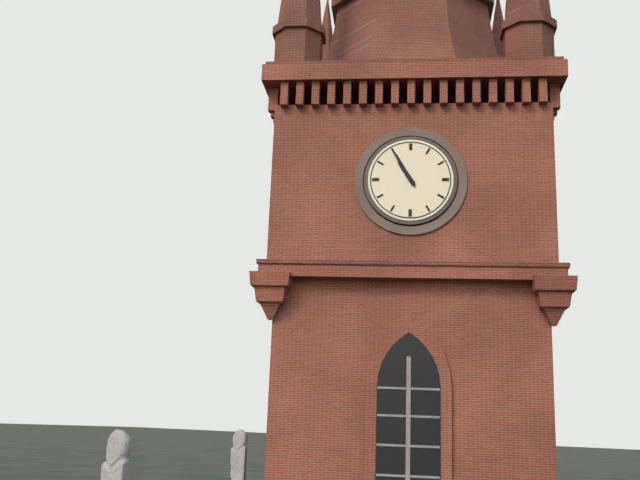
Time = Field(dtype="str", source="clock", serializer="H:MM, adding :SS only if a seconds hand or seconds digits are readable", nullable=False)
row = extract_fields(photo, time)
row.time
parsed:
10:55
